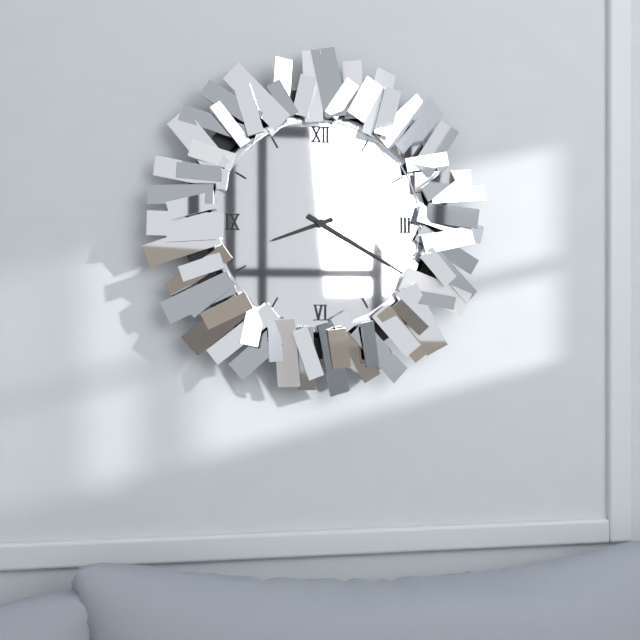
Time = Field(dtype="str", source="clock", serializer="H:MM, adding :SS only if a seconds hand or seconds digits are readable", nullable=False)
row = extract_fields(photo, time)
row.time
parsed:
8:20
